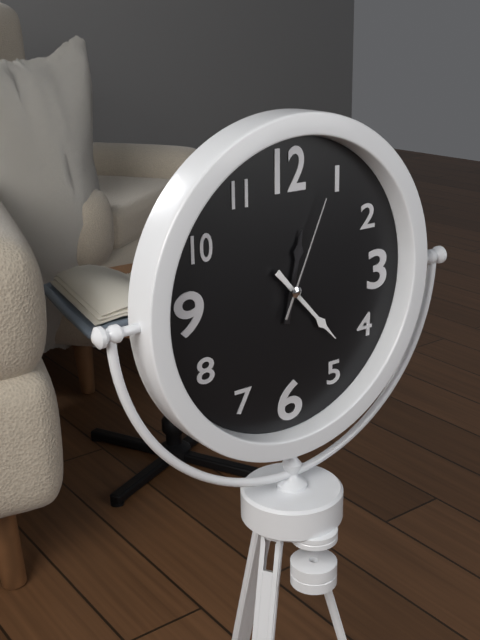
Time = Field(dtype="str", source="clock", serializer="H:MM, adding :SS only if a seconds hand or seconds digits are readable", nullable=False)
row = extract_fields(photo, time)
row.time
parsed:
12:23:04
